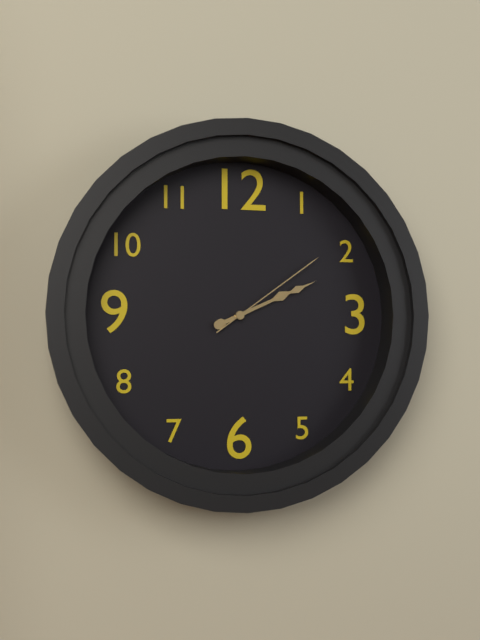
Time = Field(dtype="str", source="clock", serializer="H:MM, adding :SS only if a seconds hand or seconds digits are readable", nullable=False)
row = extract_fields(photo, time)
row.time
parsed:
2:11:09
